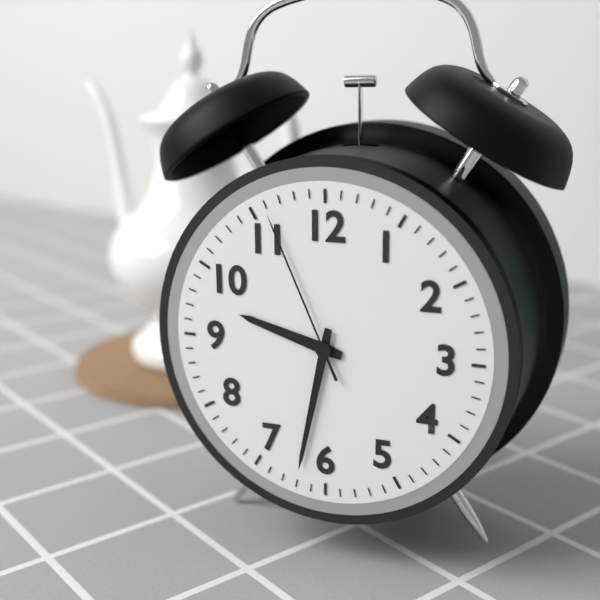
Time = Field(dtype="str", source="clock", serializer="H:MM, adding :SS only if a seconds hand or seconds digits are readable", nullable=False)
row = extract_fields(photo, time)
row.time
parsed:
9:32:56
